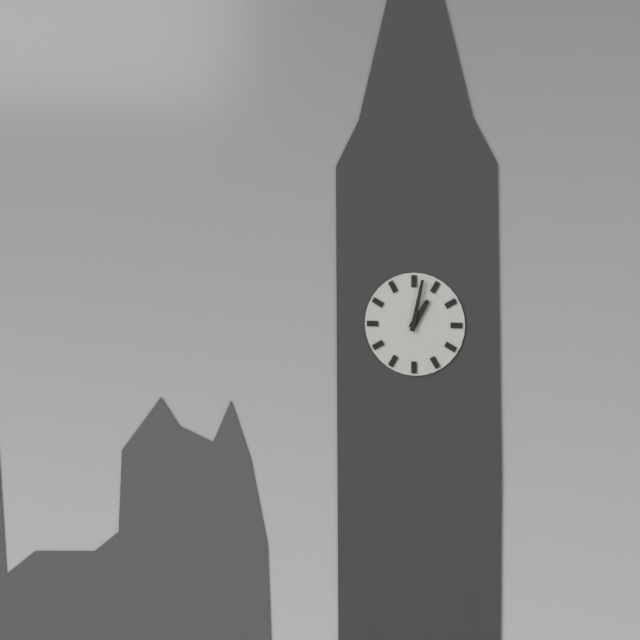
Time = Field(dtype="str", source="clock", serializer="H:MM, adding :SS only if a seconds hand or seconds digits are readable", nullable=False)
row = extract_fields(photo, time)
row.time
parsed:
1:02
